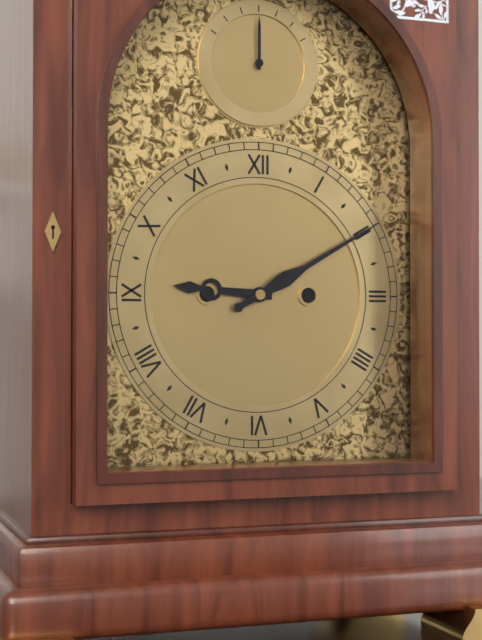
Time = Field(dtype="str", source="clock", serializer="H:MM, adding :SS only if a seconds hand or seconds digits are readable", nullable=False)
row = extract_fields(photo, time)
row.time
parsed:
9:10
